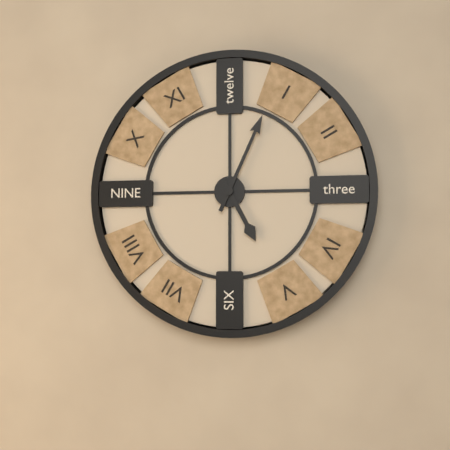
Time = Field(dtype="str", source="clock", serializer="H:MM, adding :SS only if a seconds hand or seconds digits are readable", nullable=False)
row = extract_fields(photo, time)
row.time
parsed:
5:04
